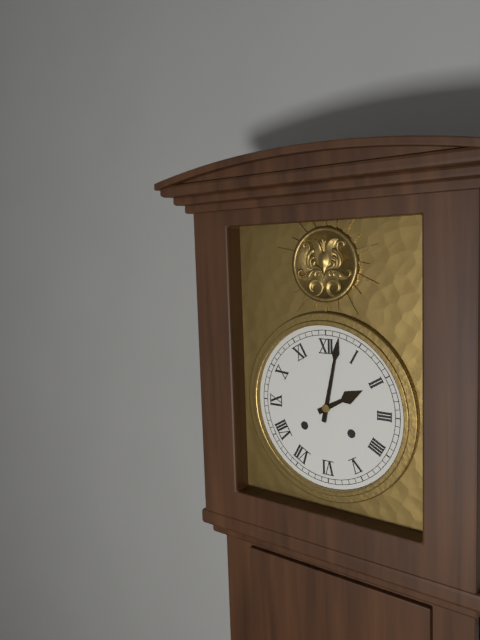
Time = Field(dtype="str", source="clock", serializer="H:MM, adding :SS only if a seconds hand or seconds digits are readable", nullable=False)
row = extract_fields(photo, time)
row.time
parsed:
2:02
